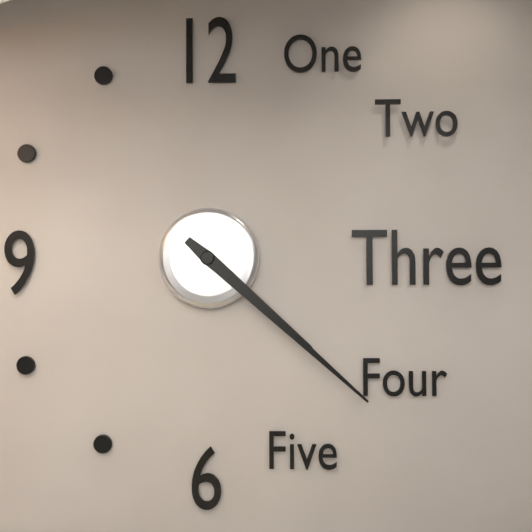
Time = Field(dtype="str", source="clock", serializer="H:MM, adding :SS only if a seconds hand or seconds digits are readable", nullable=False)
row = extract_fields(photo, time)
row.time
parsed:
4:22
